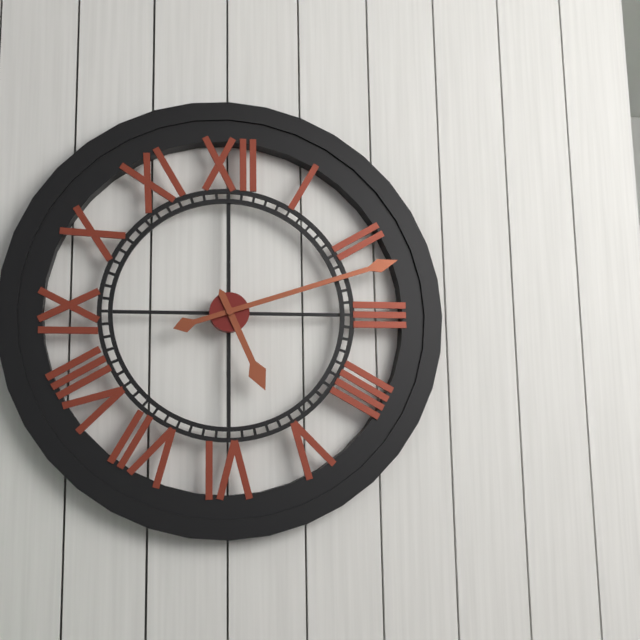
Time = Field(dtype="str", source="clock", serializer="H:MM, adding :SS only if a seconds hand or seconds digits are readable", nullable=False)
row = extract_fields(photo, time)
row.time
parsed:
5:12
